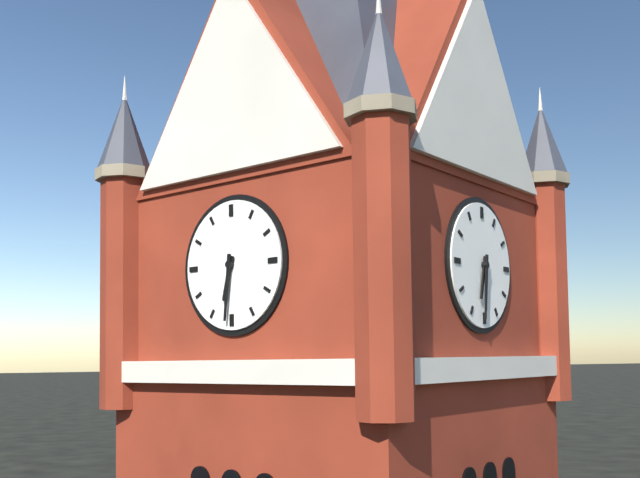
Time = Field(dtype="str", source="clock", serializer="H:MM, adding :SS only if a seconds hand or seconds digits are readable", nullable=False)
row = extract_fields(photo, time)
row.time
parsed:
6:31
